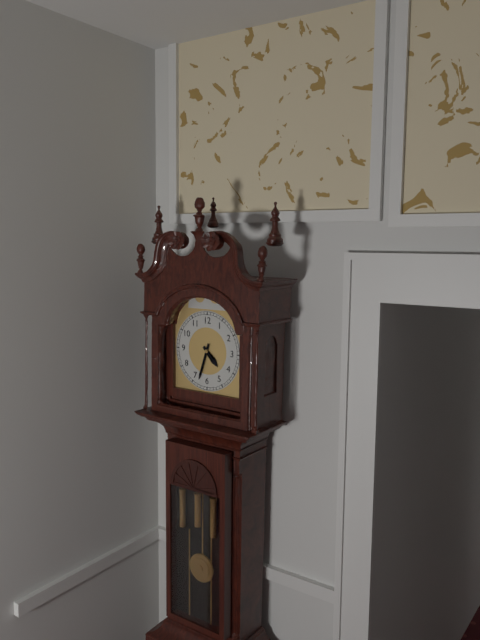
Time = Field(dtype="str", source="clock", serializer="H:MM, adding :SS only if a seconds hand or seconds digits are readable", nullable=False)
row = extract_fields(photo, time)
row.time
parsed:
4:33
